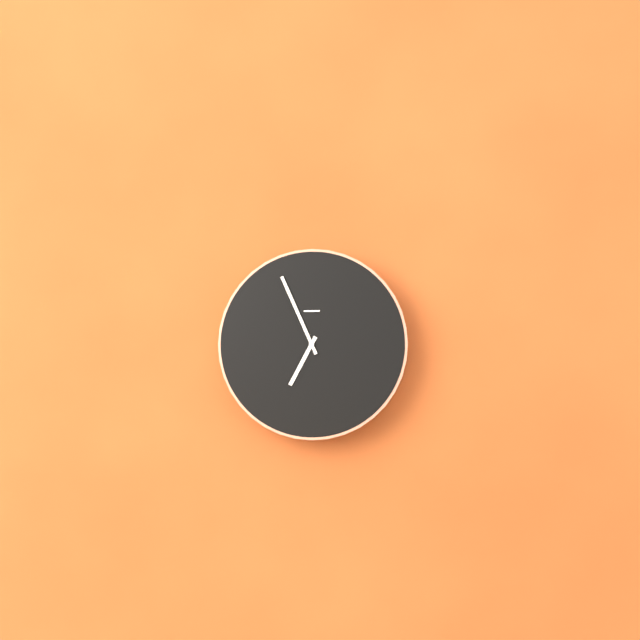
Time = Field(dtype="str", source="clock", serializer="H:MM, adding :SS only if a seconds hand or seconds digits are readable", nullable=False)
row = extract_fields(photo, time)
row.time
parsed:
6:56
